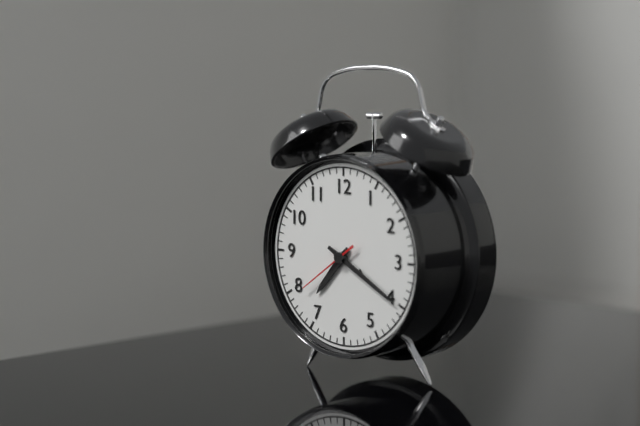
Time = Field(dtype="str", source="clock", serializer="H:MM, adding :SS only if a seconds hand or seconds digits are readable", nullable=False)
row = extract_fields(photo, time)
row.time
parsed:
7:20:39
